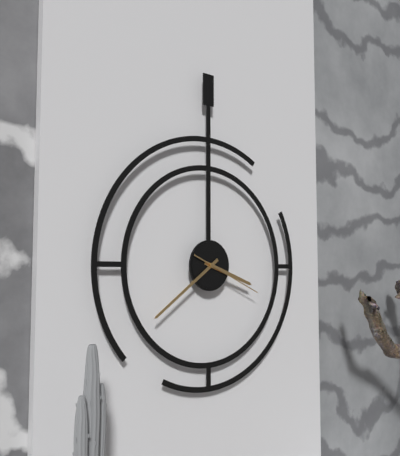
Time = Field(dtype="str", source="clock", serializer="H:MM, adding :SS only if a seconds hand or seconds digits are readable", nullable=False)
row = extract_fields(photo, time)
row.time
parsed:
3:39:19
